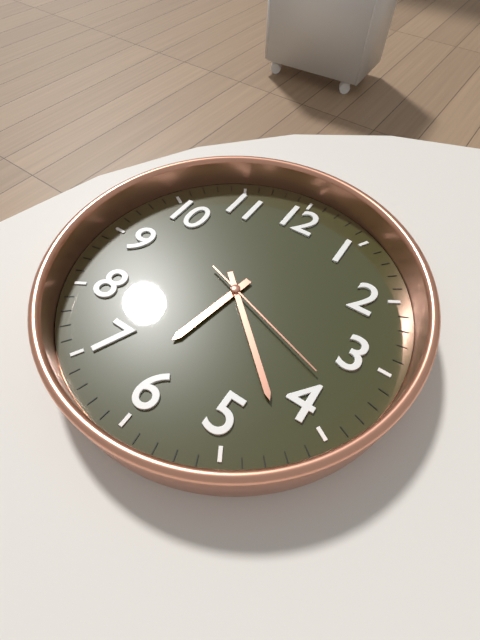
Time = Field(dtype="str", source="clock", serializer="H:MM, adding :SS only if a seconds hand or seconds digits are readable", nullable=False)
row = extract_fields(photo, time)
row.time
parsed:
6:22:18
